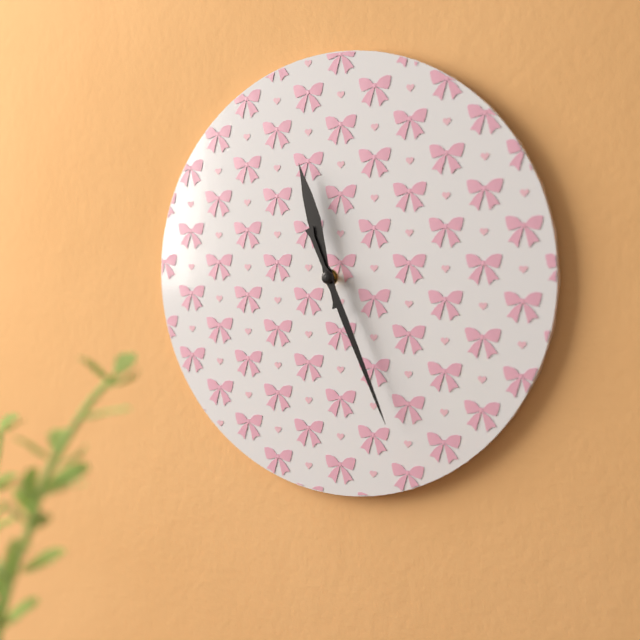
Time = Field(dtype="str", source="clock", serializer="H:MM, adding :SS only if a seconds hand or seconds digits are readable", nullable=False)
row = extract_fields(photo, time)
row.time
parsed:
11:26
